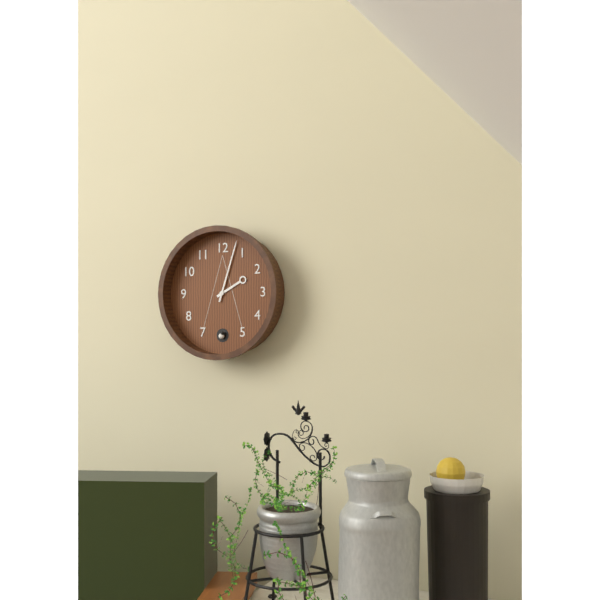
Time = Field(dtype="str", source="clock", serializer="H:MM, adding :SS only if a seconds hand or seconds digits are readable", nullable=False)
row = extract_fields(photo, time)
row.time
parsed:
2:03
